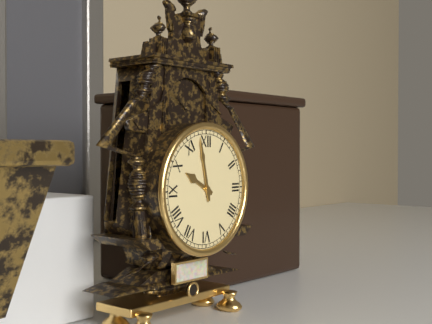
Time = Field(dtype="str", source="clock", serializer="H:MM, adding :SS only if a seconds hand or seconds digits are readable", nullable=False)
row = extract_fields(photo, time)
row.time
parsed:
9:58
